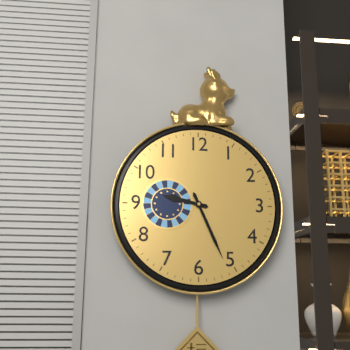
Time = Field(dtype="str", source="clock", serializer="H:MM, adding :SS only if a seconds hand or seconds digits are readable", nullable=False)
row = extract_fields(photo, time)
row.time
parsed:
9:26
